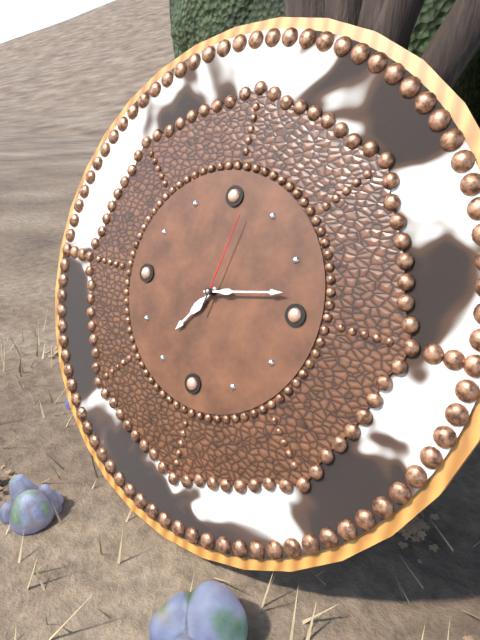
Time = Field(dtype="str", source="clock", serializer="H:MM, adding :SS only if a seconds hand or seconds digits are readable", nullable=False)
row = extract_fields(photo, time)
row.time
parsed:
7:13:02
